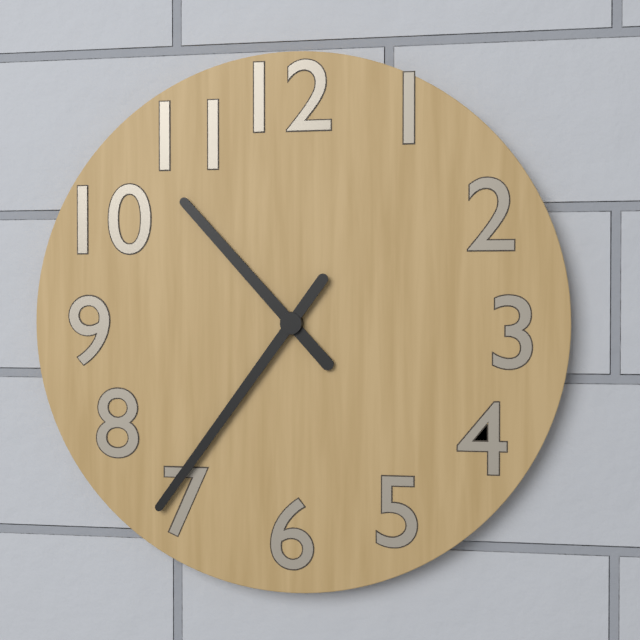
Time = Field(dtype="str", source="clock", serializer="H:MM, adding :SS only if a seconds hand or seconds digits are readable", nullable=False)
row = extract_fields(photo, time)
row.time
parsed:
10:36
